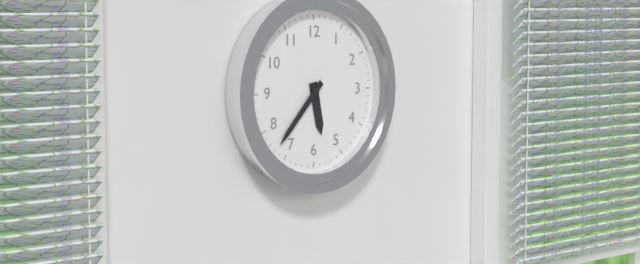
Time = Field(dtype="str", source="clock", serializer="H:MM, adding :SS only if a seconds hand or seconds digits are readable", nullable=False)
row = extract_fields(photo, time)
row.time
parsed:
5:37
